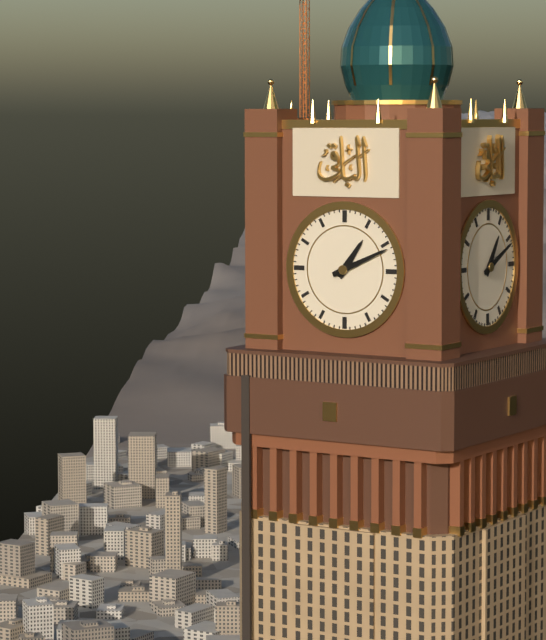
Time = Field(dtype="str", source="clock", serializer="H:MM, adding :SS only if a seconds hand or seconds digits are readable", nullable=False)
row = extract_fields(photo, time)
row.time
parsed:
1:11
